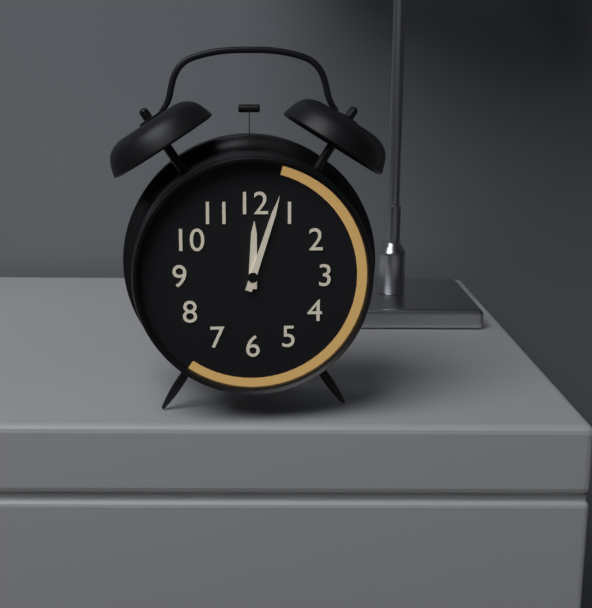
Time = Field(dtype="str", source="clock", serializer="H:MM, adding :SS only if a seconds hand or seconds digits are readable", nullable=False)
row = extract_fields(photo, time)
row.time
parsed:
12:03
